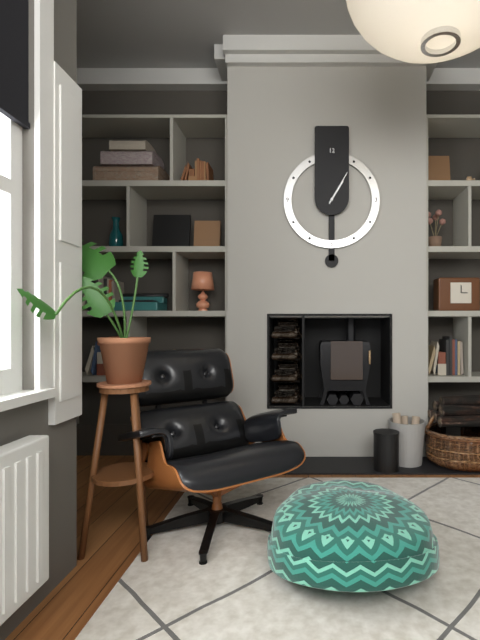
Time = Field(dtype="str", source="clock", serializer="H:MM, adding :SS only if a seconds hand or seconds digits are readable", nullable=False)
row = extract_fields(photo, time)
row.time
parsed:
1:05
